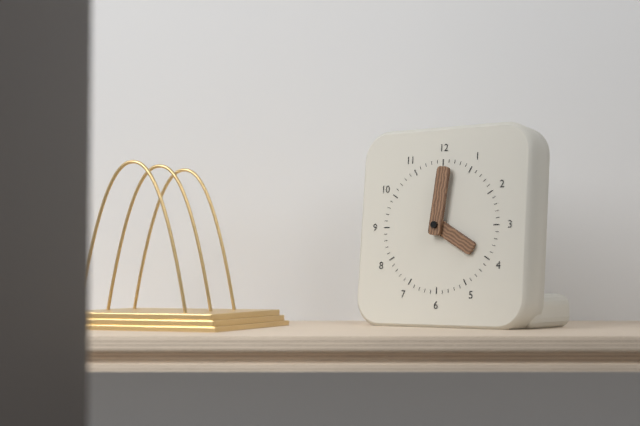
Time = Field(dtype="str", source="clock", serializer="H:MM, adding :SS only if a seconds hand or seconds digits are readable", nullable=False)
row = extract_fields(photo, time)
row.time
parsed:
4:01
